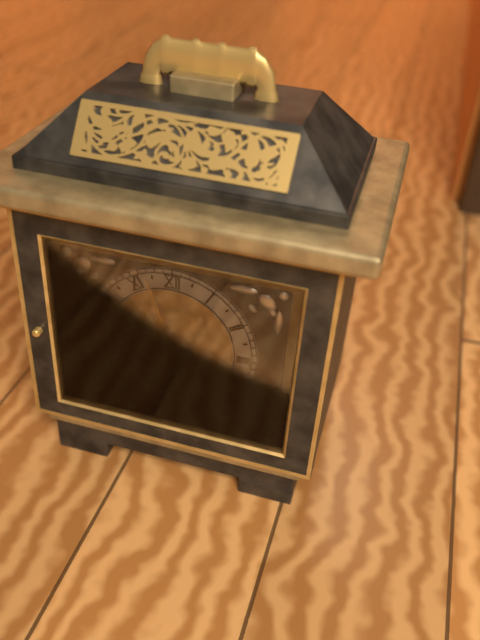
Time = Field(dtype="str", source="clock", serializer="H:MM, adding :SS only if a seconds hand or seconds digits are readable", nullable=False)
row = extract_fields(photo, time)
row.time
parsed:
5:57
